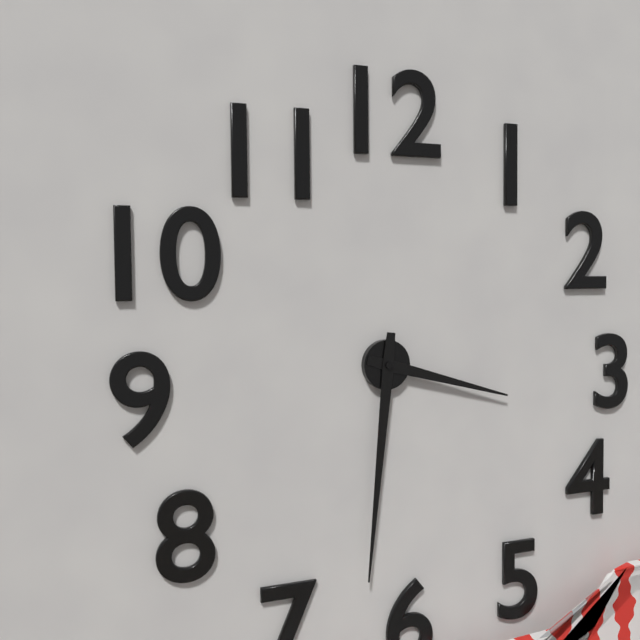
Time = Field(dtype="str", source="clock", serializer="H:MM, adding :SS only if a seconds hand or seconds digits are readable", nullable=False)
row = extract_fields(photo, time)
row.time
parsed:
3:31
